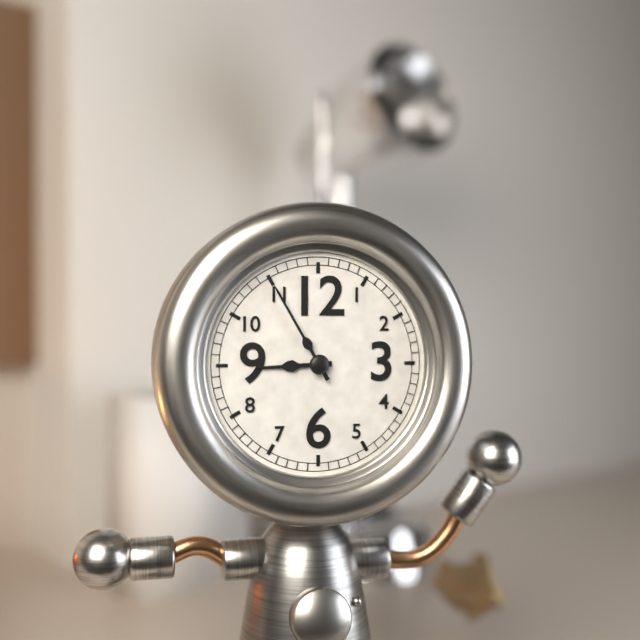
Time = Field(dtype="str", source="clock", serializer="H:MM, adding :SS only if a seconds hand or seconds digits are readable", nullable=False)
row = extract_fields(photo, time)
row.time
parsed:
8:55
